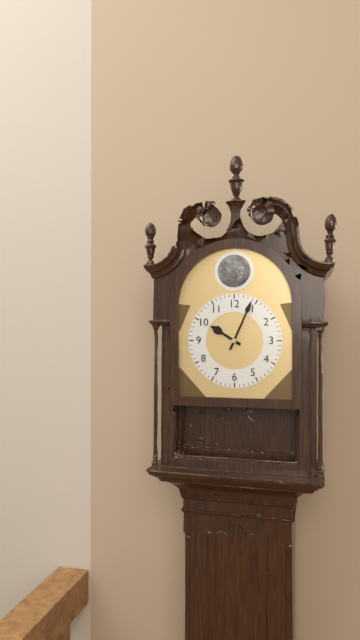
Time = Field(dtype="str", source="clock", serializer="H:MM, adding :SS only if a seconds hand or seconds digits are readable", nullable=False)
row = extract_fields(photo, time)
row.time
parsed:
10:04
